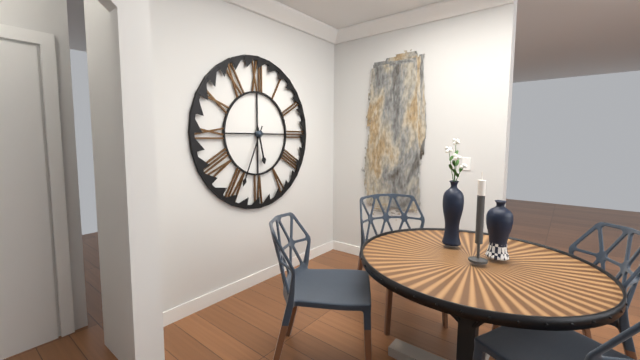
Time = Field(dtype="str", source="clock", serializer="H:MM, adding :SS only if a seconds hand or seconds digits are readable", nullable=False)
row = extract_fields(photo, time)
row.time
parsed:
5:34
